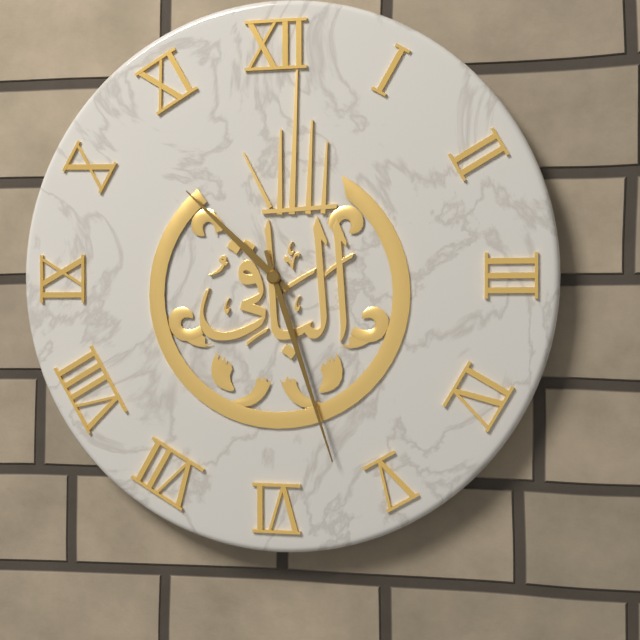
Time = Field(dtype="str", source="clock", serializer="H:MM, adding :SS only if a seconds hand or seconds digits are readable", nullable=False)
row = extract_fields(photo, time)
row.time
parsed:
10:27
